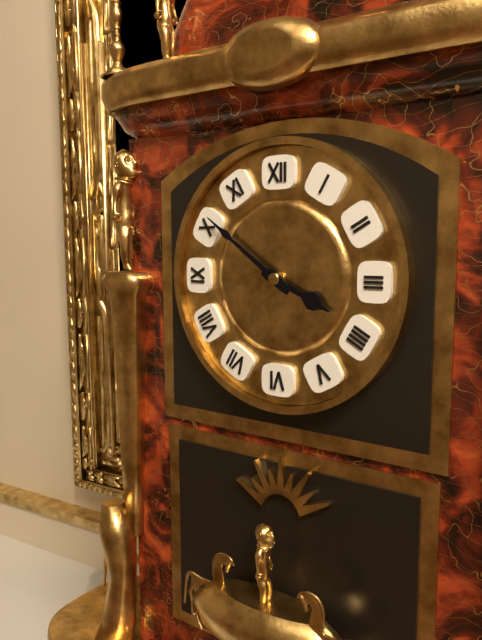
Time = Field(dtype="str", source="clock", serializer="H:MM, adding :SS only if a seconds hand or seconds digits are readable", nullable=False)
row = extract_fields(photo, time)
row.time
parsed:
3:51
